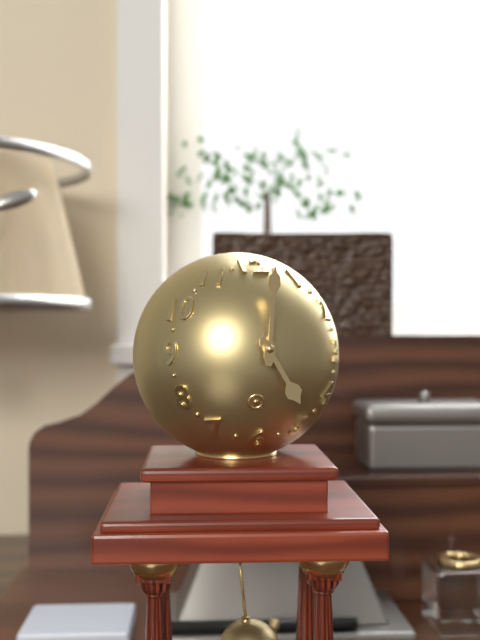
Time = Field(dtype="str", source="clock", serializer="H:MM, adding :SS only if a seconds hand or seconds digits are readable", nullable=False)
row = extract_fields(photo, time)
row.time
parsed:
5:01
